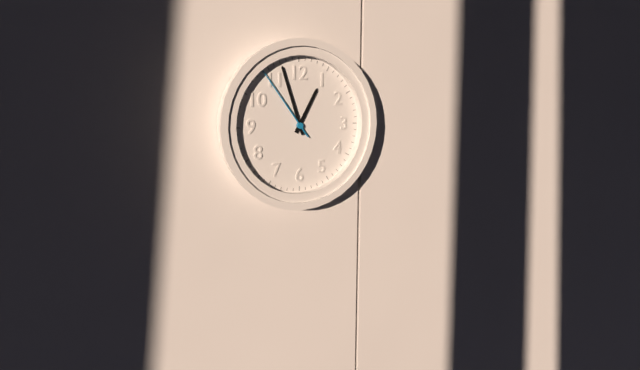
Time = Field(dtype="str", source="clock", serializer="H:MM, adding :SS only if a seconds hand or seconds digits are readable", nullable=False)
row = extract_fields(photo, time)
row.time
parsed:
12:57:54
